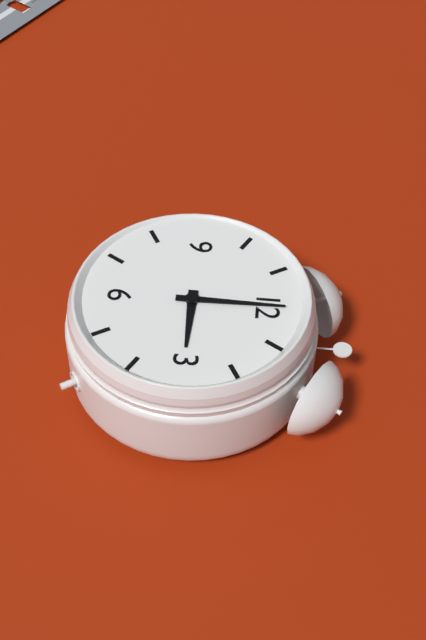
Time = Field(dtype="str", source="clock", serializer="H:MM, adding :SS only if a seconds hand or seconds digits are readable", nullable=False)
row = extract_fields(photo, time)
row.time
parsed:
3:00
